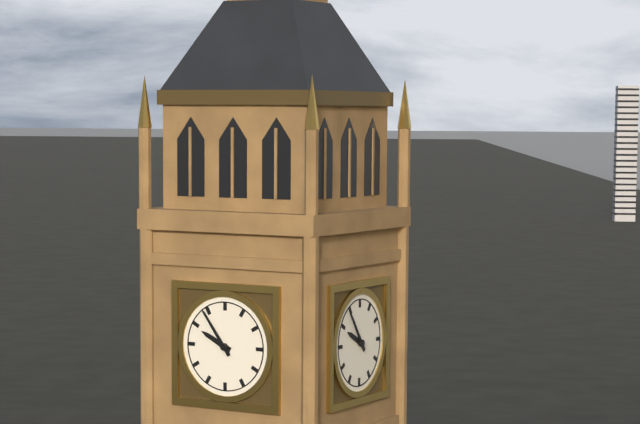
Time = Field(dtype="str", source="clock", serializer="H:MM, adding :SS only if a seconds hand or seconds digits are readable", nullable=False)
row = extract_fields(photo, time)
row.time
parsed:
9:54
